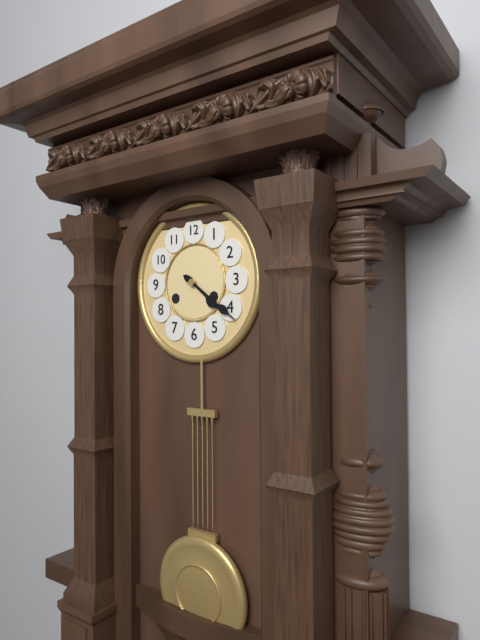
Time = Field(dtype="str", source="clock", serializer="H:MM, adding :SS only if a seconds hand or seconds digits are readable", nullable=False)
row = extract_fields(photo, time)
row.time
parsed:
4:21
